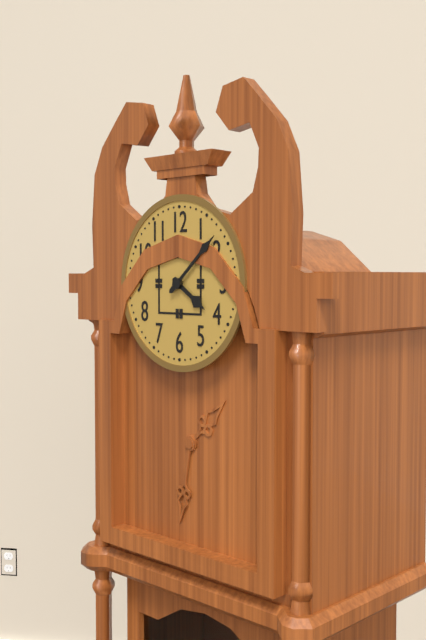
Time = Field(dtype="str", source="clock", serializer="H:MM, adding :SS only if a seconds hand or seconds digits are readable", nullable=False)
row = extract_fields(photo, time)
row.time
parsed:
4:08
